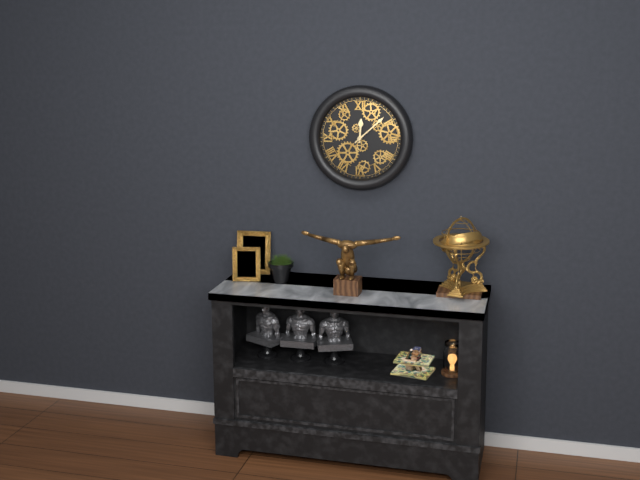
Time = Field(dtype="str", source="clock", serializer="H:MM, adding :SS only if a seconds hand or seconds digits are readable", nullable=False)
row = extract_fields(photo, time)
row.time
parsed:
12:08
